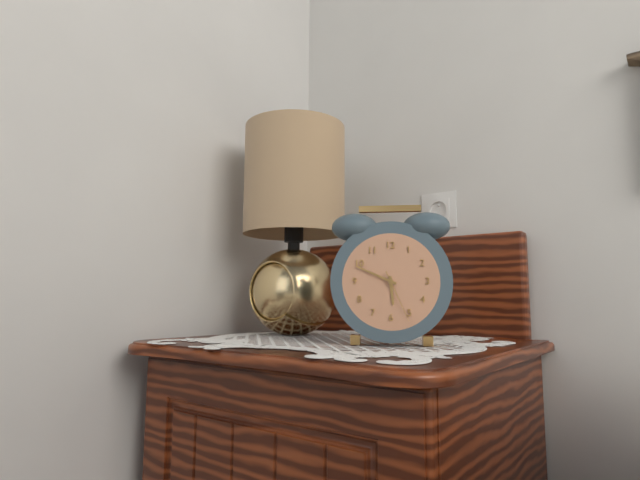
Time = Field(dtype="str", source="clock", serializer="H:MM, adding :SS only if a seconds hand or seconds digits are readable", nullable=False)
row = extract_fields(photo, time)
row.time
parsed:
5:49:26
